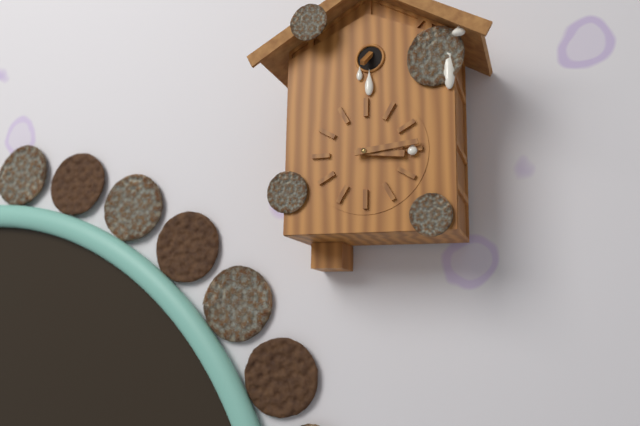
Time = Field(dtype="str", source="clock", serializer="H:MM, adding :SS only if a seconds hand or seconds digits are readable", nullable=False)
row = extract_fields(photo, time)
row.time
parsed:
3:14
